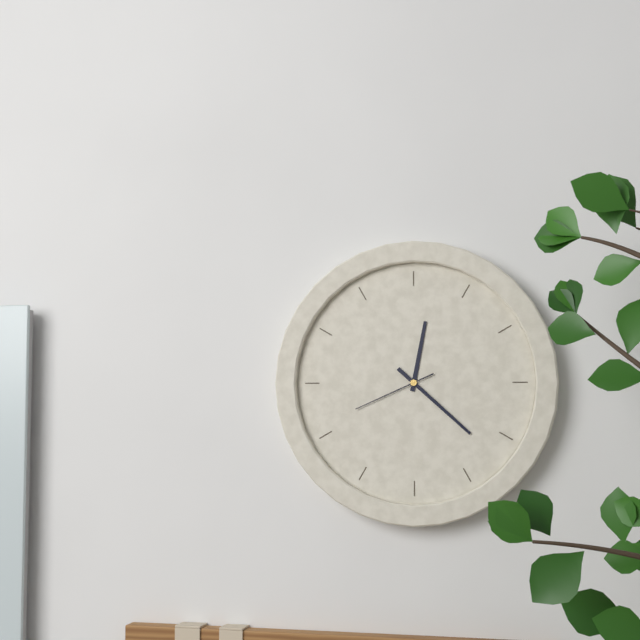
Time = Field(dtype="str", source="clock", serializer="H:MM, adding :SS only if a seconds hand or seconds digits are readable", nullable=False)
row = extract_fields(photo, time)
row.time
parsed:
12:22:41
